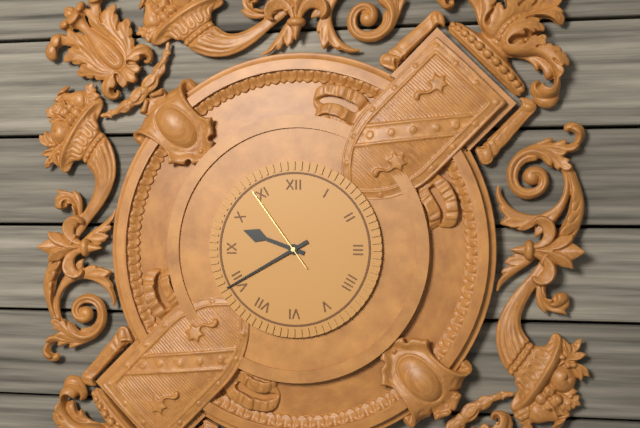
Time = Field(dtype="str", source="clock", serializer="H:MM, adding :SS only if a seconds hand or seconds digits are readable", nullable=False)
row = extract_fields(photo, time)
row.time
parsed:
9:40:54
